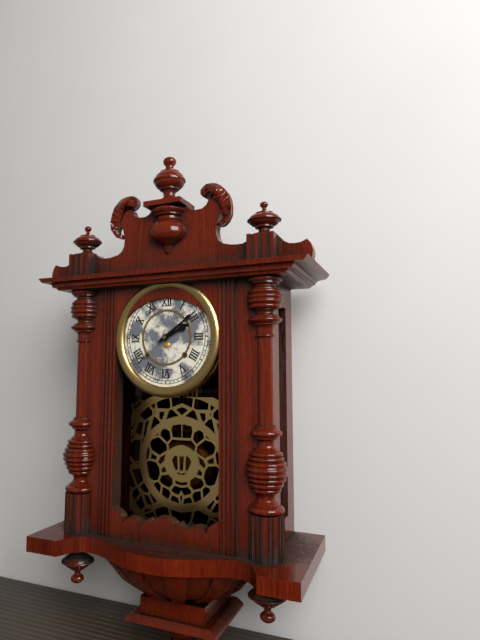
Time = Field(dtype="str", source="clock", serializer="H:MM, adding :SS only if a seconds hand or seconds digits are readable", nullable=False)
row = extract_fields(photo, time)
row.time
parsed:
2:09
